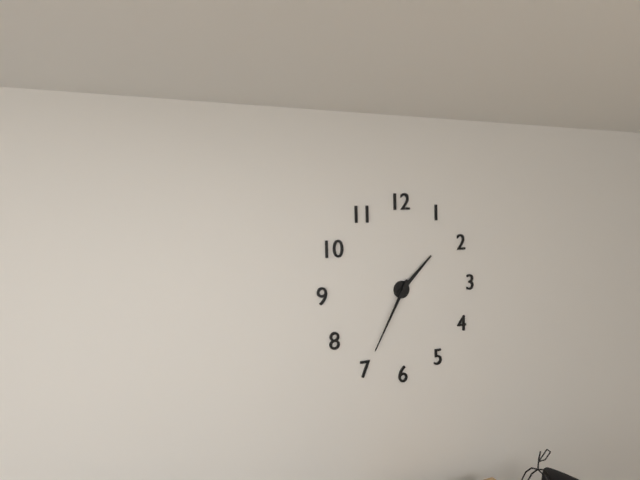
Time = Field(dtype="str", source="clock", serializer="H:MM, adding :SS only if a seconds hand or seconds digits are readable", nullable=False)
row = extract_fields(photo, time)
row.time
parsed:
1:35
